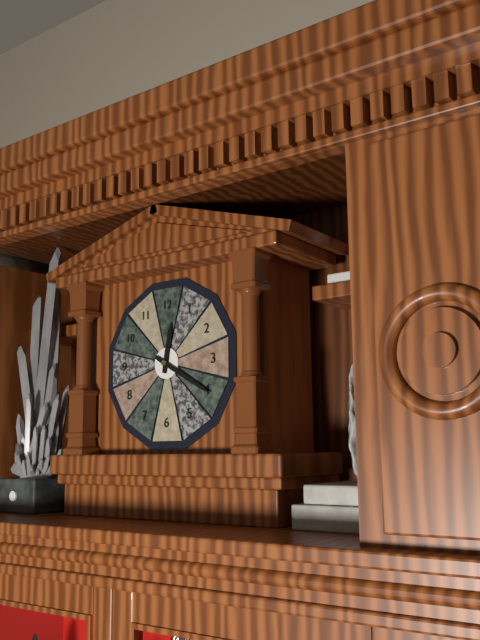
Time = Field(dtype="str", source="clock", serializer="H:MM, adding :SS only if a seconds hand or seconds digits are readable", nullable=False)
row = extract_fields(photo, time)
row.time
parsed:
12:20
